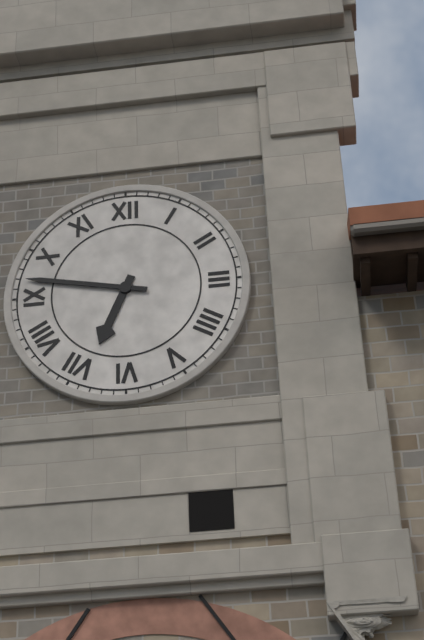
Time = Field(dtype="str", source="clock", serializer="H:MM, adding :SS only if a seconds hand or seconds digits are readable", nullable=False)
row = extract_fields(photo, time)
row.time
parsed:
6:47
